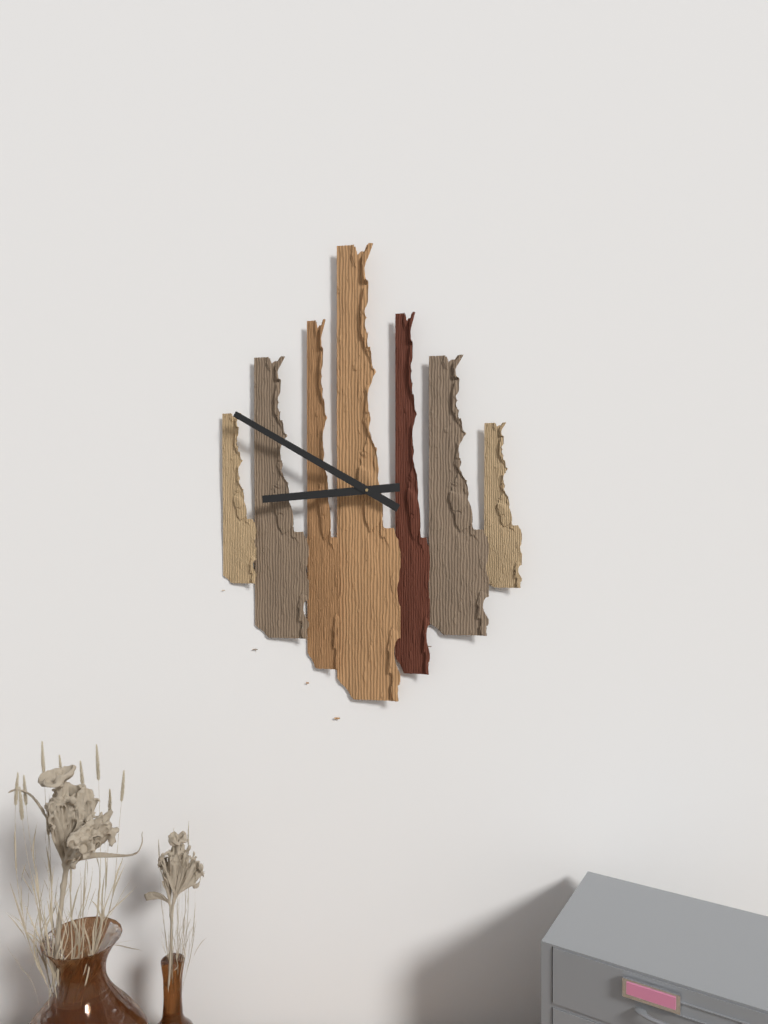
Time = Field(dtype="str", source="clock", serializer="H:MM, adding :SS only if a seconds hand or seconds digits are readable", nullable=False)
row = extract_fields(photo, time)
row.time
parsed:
8:50
